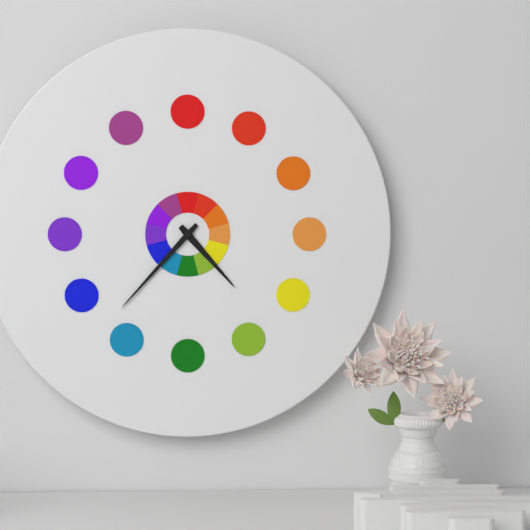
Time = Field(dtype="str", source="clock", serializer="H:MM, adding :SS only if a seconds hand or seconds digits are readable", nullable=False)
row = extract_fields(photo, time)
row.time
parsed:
4:37
